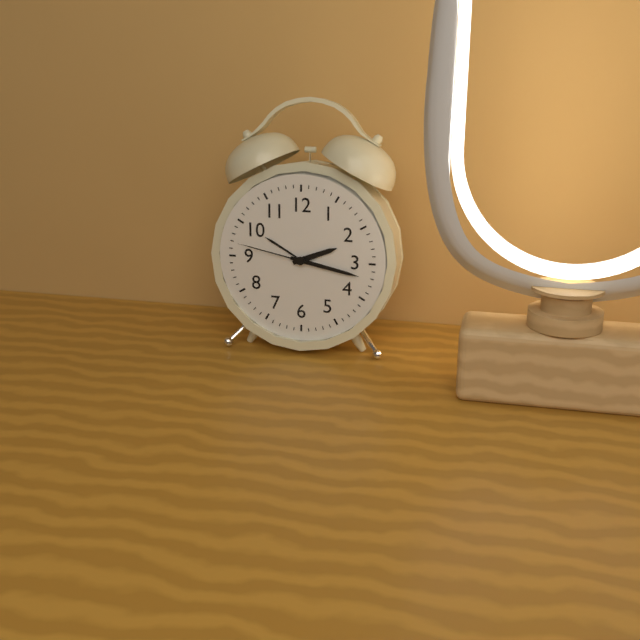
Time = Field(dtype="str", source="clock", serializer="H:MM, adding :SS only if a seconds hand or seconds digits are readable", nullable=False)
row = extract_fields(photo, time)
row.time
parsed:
2:17:47
